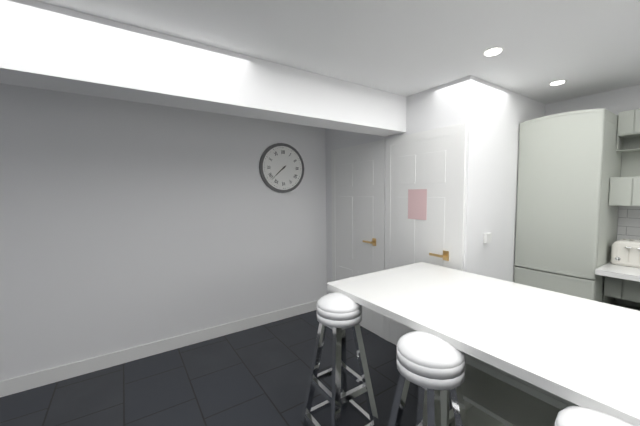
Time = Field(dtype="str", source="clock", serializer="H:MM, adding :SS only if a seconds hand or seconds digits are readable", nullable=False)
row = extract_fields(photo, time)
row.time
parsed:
7:38
